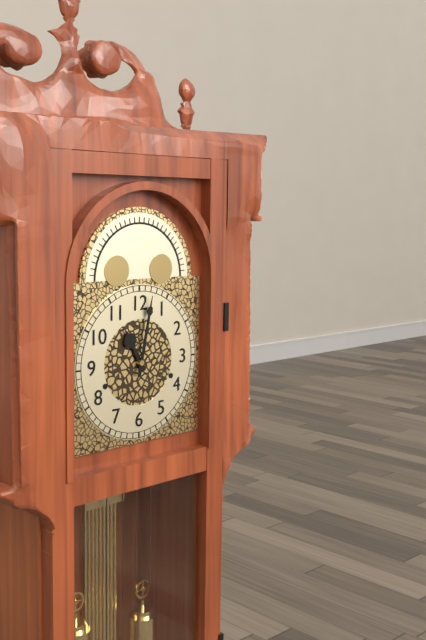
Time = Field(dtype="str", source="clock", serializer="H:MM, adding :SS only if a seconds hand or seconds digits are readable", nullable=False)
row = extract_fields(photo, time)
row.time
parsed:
11:02
